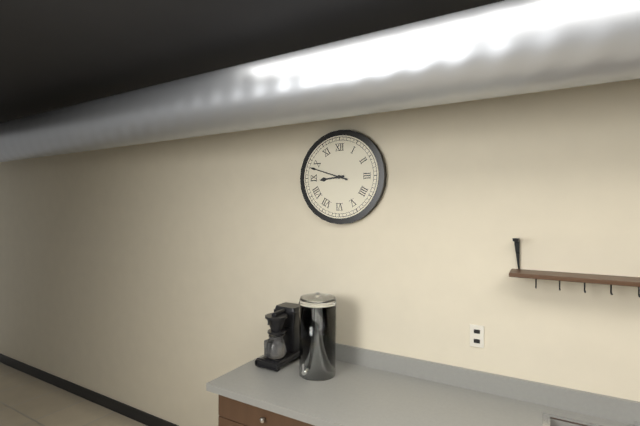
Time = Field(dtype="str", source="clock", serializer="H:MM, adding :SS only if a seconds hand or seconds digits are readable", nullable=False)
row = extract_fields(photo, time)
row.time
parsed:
8:48
